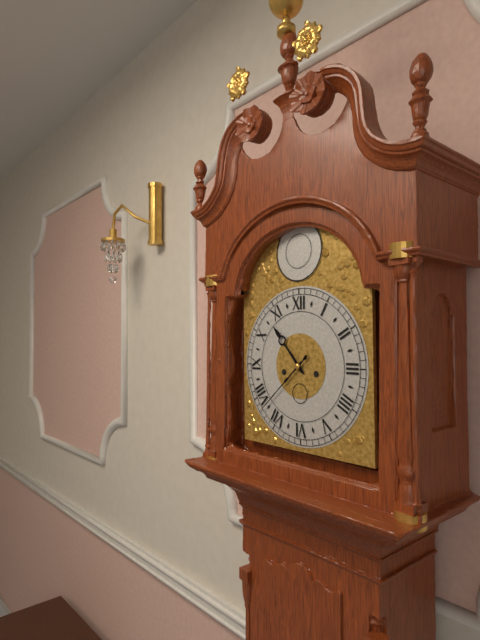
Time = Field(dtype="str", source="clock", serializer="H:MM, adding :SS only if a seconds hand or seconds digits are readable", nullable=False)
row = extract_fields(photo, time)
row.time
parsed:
10:38
